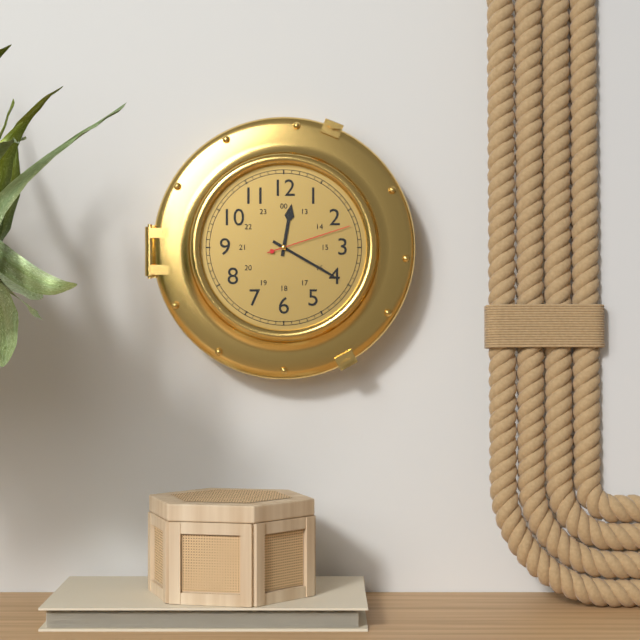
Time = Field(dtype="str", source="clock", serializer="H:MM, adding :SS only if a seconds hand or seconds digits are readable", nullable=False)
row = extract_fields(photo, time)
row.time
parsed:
12:20:12
